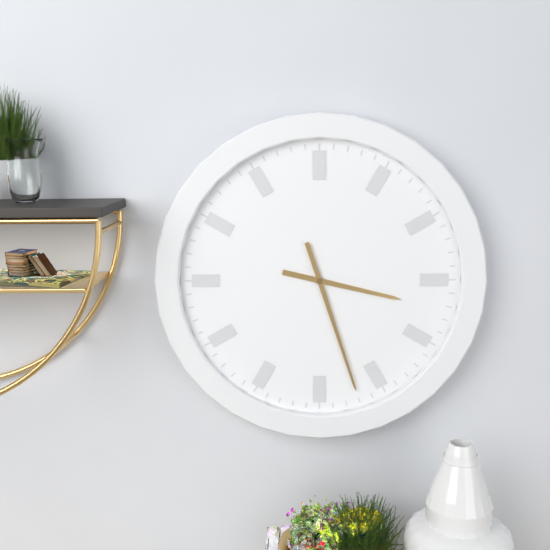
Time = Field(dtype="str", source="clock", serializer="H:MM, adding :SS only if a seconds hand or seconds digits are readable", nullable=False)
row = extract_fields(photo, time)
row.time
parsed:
3:27
